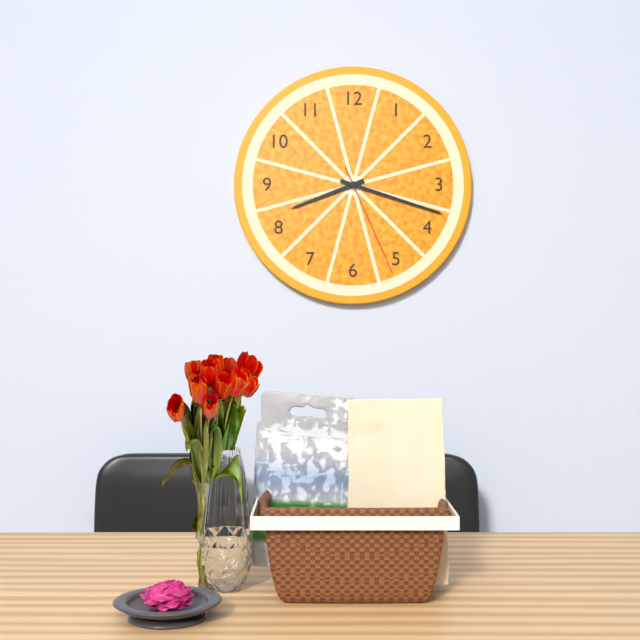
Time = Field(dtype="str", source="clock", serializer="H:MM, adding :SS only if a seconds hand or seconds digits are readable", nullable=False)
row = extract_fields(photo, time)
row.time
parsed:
8:18:26
